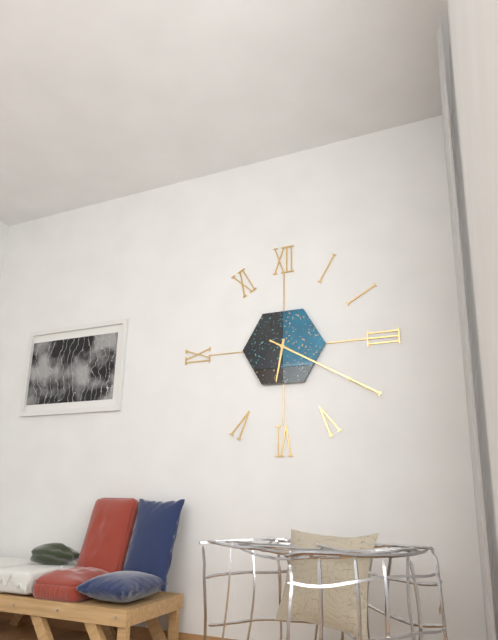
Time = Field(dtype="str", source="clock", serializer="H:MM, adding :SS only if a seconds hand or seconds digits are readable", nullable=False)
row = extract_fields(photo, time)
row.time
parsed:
6:20
